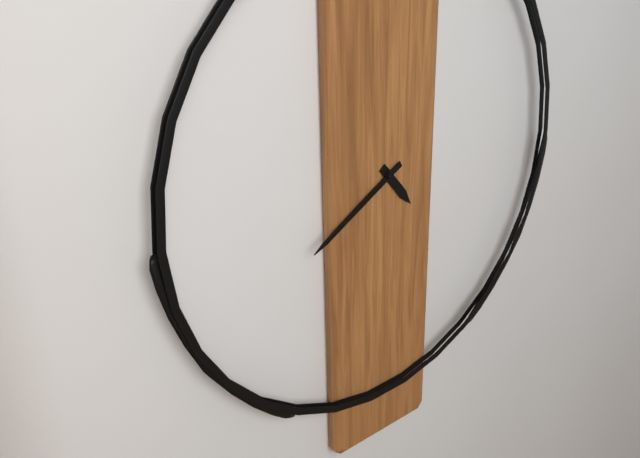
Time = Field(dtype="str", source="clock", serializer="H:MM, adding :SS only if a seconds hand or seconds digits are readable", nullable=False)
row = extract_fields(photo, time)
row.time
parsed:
4:40
